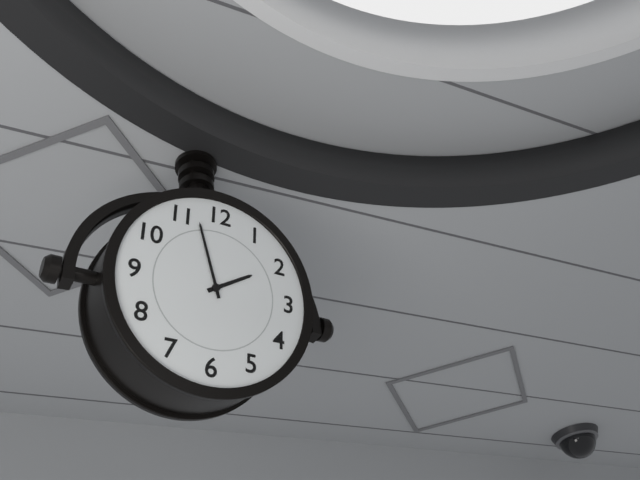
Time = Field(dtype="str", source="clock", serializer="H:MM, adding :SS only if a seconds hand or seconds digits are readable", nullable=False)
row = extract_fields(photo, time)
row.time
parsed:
1:57
